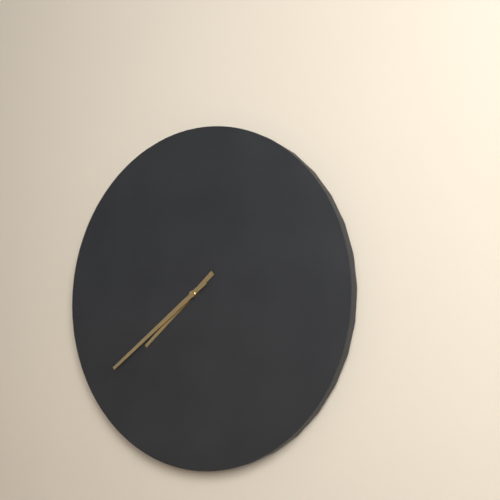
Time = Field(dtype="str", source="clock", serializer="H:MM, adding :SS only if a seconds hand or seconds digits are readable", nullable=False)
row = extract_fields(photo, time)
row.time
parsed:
7:39
